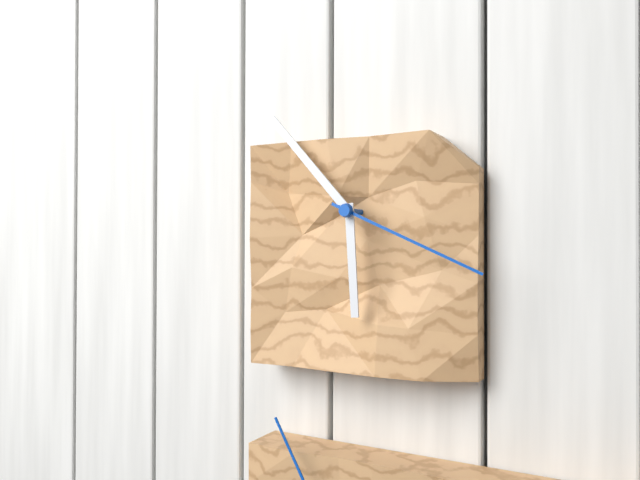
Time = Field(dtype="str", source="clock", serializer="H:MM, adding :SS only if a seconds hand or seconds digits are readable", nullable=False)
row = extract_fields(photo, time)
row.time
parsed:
5:53:19
